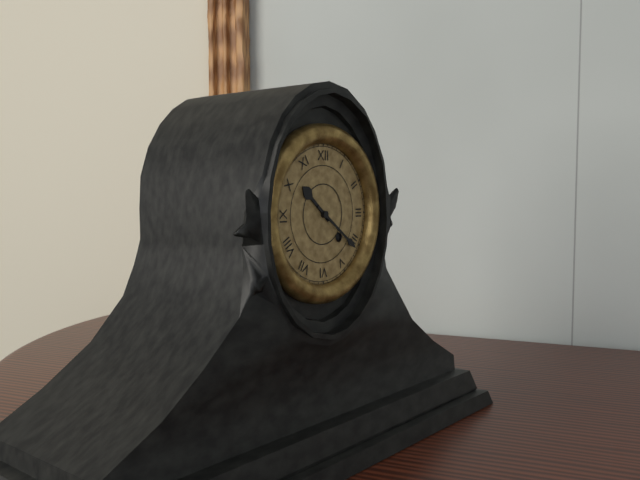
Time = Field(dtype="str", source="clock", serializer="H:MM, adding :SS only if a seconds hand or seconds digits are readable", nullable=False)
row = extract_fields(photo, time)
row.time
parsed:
10:21
